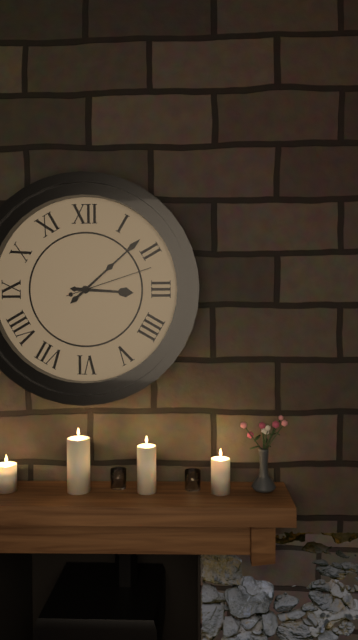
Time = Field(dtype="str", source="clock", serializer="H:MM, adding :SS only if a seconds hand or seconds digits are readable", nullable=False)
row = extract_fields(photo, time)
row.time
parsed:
3:08:12
